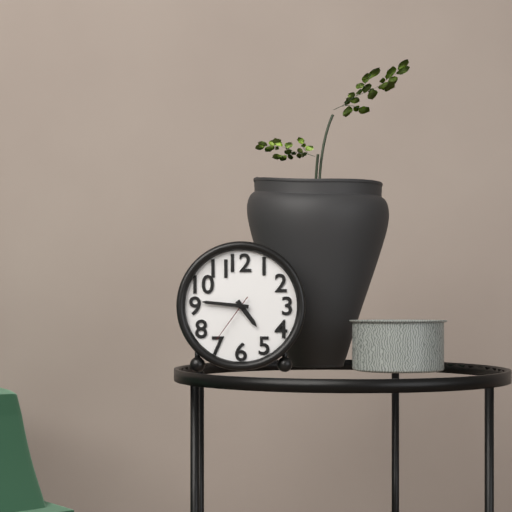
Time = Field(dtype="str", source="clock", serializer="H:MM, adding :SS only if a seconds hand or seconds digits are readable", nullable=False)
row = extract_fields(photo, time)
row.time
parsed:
4:46:36
